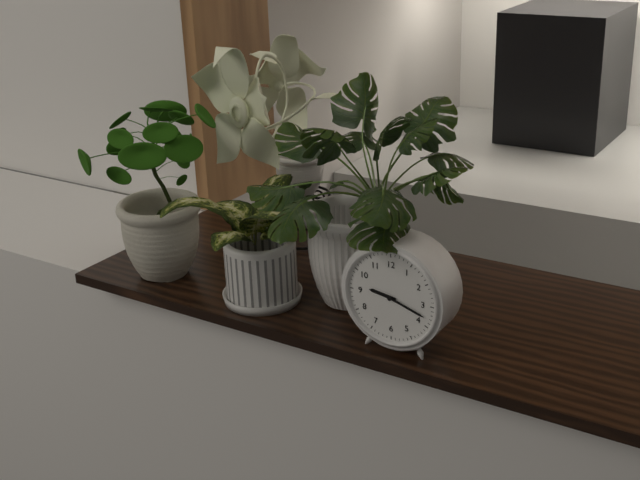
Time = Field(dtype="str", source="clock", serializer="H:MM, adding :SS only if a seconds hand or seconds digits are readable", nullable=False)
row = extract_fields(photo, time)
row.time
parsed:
9:18
